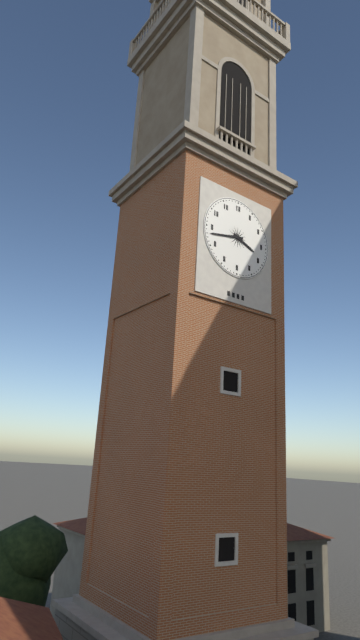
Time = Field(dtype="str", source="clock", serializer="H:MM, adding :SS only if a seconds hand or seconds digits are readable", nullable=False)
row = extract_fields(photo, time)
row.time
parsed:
3:43
